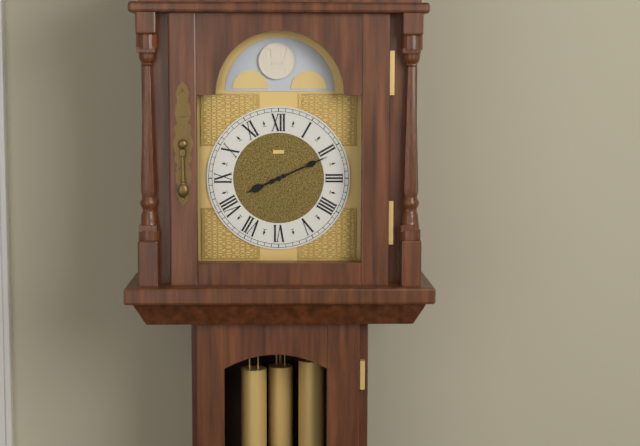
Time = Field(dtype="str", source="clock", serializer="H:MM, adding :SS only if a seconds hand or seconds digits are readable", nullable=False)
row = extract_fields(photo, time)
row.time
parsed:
8:11
